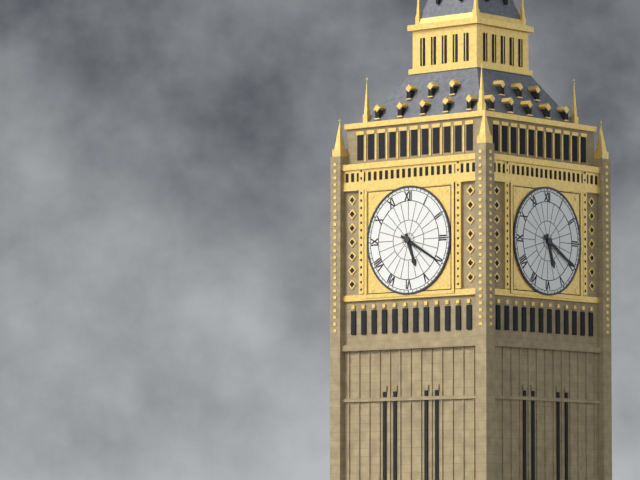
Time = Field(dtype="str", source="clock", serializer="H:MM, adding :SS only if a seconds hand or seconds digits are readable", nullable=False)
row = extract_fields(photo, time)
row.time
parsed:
5:20
